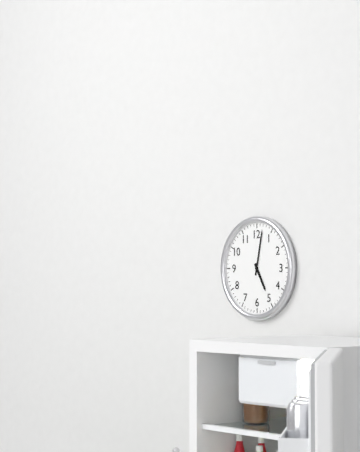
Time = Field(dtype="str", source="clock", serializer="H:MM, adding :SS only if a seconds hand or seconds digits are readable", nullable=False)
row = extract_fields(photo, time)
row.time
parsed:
5:02
